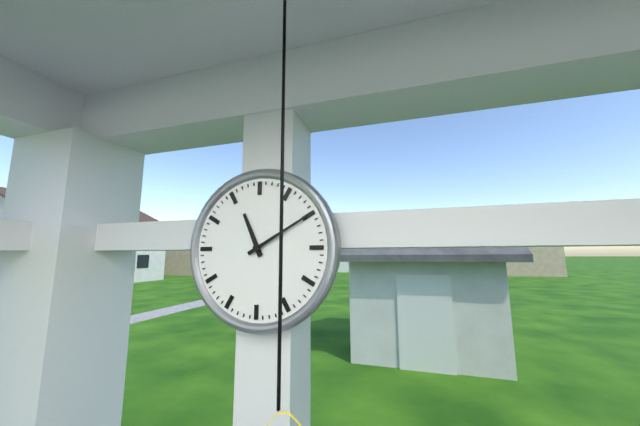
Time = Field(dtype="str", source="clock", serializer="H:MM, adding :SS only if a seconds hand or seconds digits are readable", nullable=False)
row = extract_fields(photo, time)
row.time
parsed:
11:10
